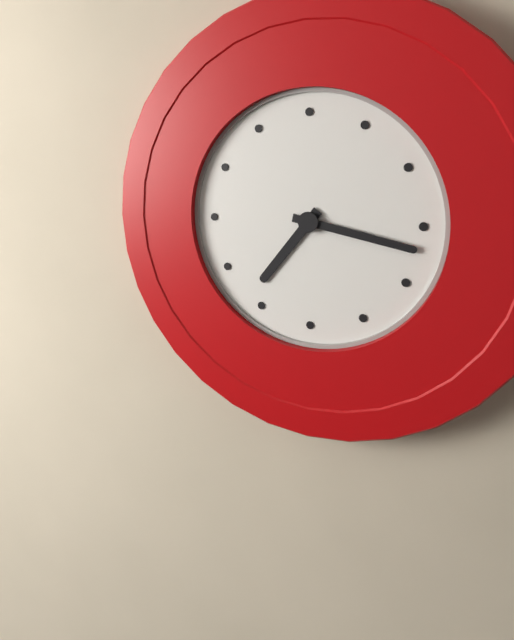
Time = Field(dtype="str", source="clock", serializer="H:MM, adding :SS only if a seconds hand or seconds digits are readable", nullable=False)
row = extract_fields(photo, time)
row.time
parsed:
7:17
